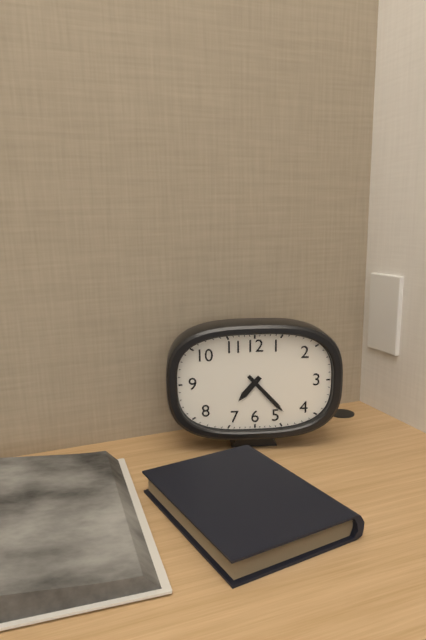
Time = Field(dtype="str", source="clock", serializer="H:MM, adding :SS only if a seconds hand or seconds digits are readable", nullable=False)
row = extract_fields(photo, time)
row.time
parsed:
7:23
